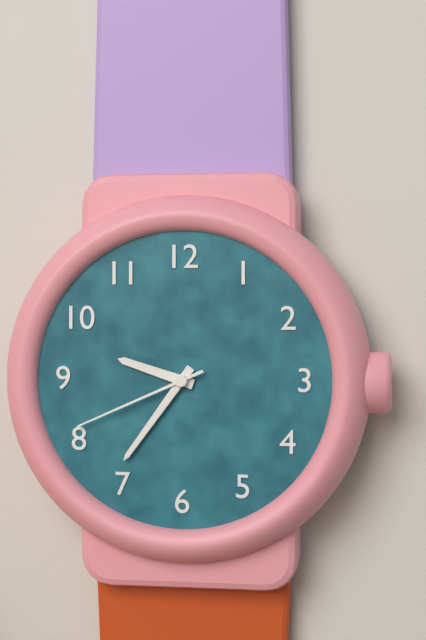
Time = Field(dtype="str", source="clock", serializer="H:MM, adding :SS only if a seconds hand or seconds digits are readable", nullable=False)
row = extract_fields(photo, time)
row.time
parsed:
9:36:41
